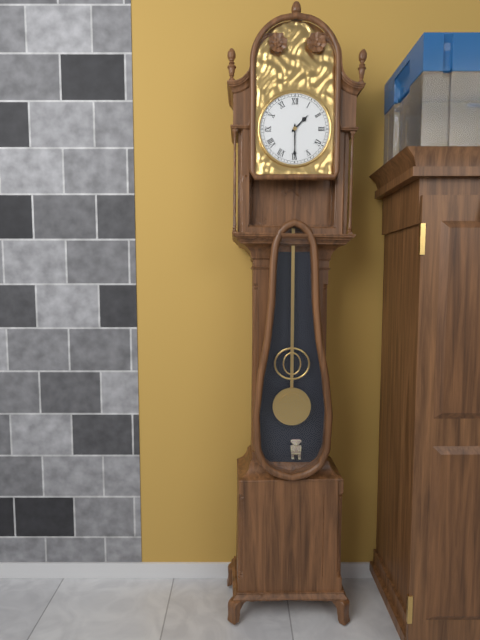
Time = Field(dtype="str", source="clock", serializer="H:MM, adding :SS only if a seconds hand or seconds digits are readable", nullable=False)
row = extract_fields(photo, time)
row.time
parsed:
1:30
